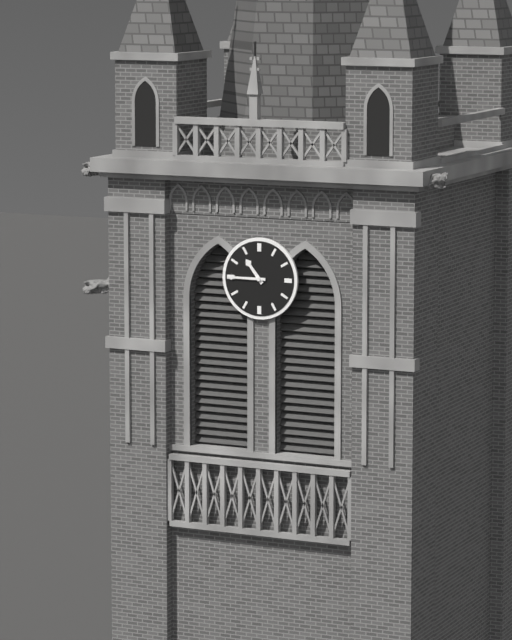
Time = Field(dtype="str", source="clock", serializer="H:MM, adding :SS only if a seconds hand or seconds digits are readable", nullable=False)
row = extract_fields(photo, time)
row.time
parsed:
10:45
